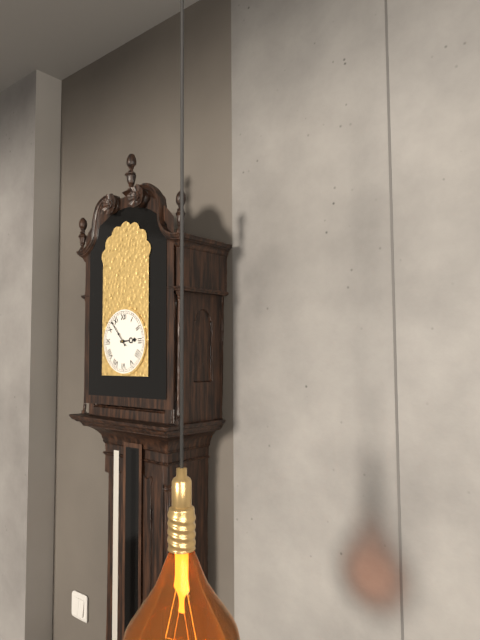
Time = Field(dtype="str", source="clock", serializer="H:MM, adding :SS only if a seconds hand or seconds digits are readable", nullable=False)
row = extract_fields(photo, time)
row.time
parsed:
2:53
